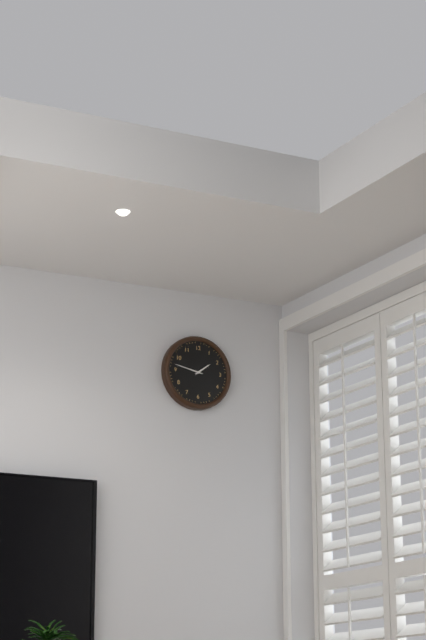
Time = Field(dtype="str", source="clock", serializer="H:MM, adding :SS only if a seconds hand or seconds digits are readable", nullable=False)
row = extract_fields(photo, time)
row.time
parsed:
1:47
